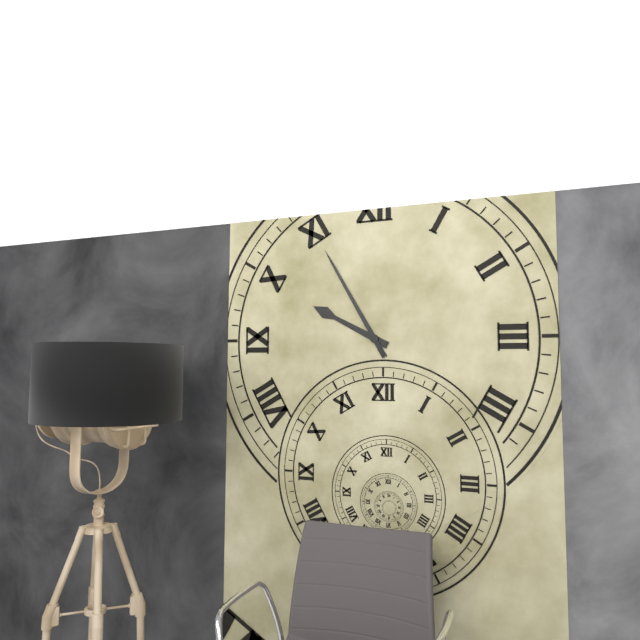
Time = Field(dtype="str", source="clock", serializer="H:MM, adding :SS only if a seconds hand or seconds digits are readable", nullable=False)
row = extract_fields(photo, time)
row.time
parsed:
9:55
